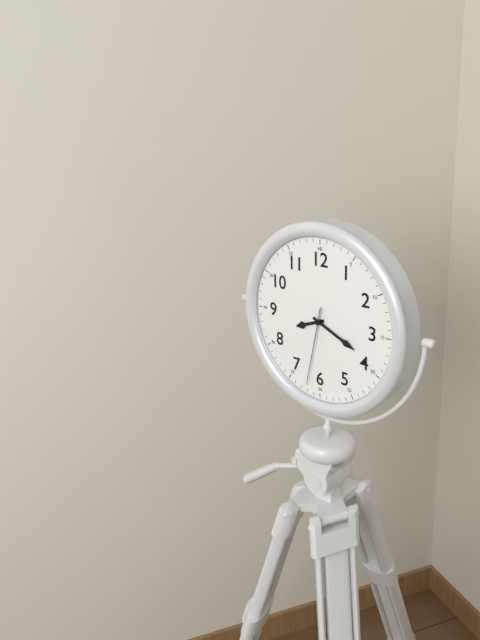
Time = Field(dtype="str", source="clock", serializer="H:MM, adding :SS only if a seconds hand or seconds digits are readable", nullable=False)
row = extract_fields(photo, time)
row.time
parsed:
8:19:32
